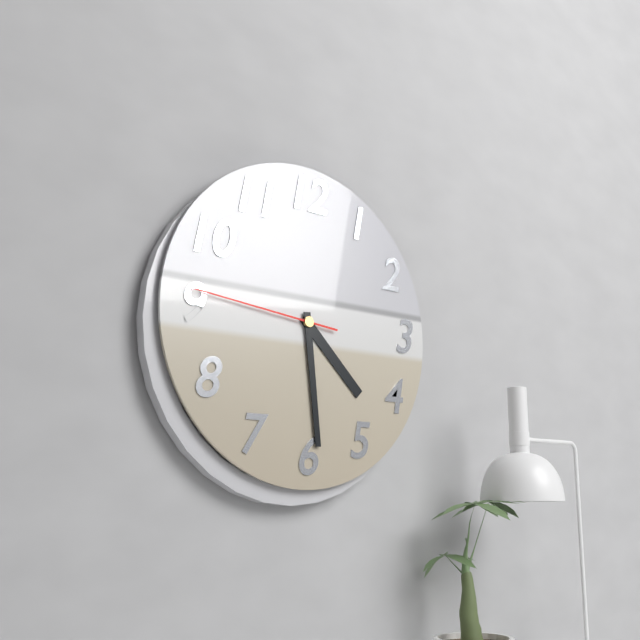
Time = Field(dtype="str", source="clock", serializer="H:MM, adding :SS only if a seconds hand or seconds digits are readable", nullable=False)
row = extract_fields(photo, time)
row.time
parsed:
4:29:46
